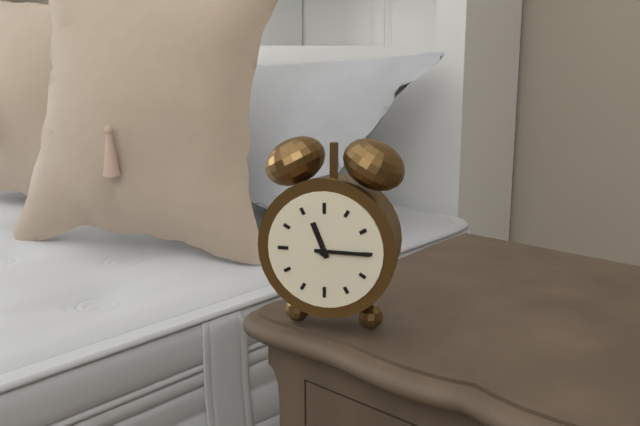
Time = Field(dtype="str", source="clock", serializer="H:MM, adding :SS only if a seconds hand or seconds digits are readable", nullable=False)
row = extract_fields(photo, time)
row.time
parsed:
11:15
